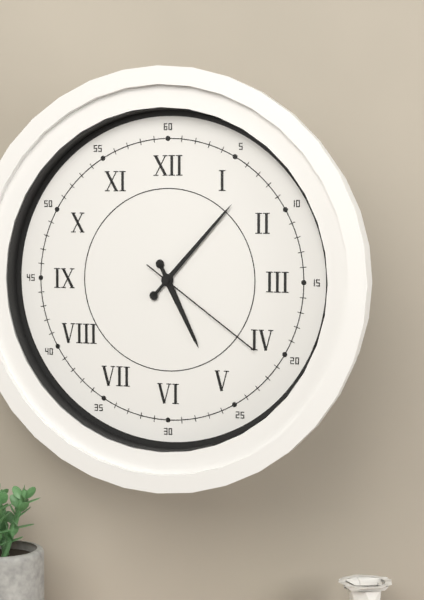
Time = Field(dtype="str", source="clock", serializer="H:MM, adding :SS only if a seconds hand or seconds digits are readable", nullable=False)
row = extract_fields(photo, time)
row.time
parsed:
5:07:21
